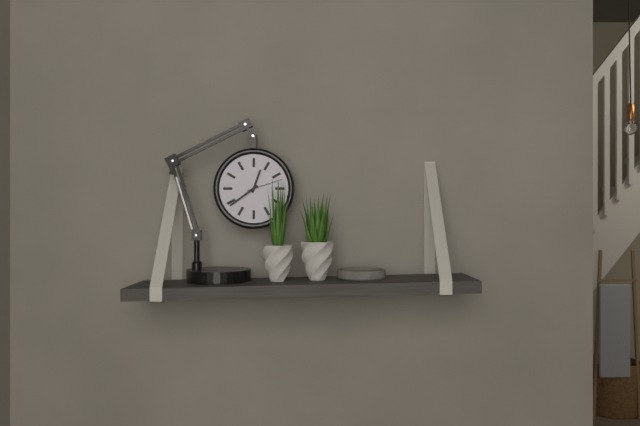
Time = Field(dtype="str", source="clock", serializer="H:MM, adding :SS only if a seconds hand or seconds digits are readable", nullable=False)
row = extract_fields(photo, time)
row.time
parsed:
12:39
